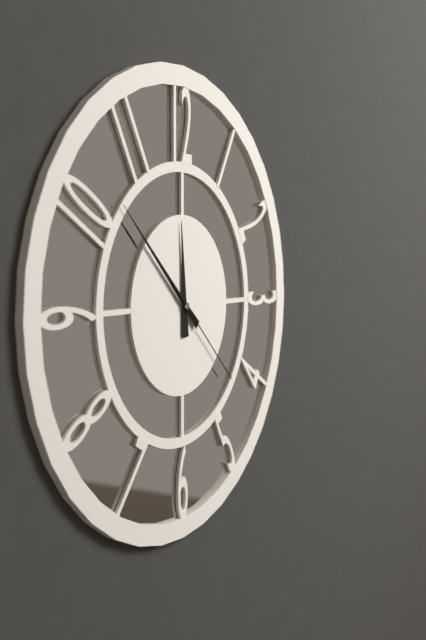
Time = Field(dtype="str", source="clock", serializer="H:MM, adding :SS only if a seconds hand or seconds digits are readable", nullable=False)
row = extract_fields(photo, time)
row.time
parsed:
11:52:22
